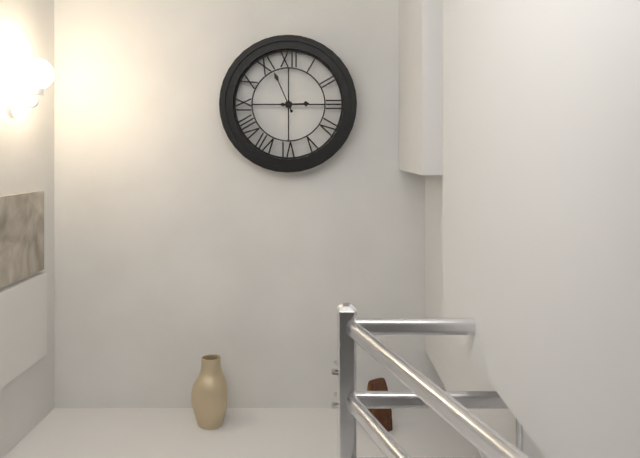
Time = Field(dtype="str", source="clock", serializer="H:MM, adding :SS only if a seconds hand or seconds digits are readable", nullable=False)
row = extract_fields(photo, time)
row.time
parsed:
2:56
